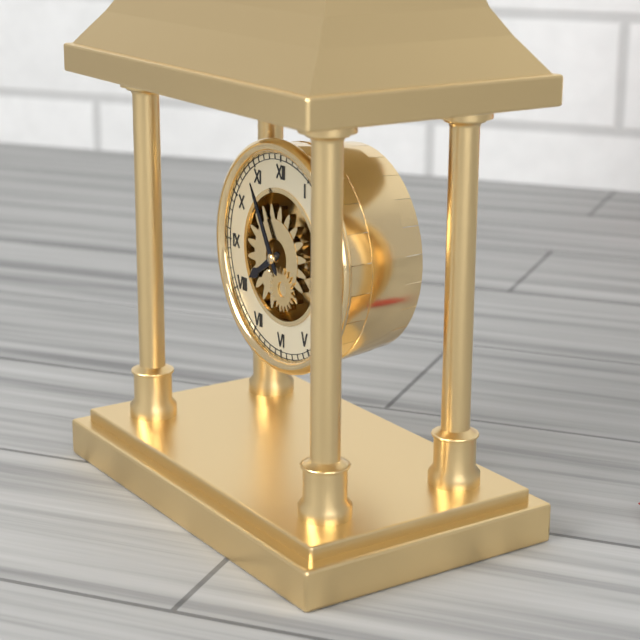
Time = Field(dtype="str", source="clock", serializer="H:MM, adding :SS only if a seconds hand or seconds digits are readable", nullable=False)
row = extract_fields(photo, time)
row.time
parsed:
7:55
